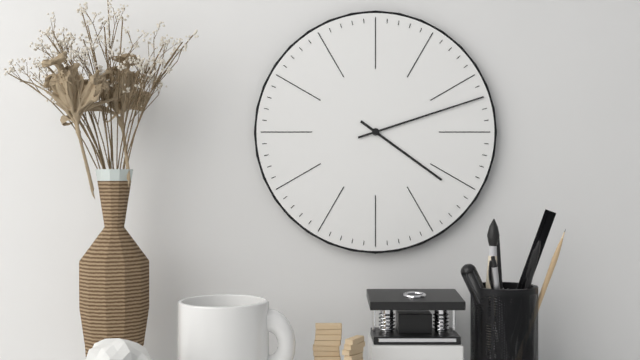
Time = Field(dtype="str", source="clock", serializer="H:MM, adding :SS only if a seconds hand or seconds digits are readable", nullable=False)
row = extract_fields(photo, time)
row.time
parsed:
4:12
